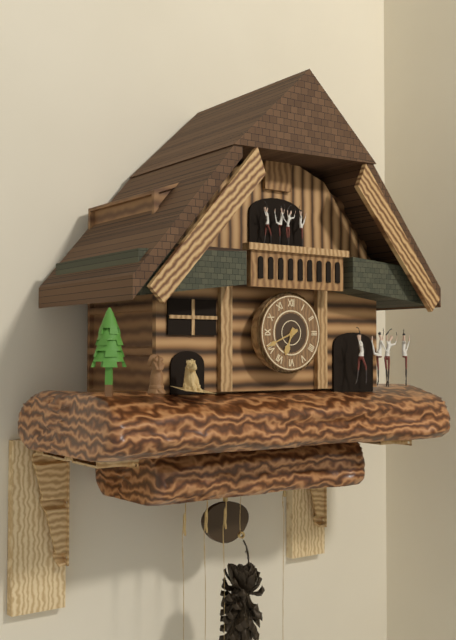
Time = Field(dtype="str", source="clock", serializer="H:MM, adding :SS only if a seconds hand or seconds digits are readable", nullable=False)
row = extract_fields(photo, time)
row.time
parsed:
6:41
